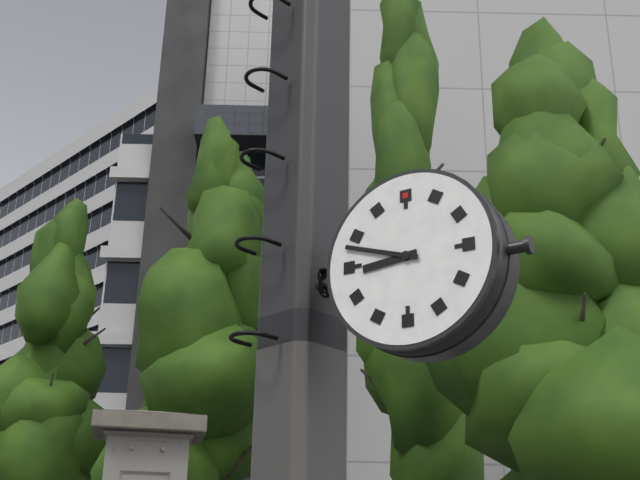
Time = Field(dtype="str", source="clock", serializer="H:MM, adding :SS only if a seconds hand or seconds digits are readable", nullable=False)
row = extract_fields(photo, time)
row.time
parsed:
8:48
